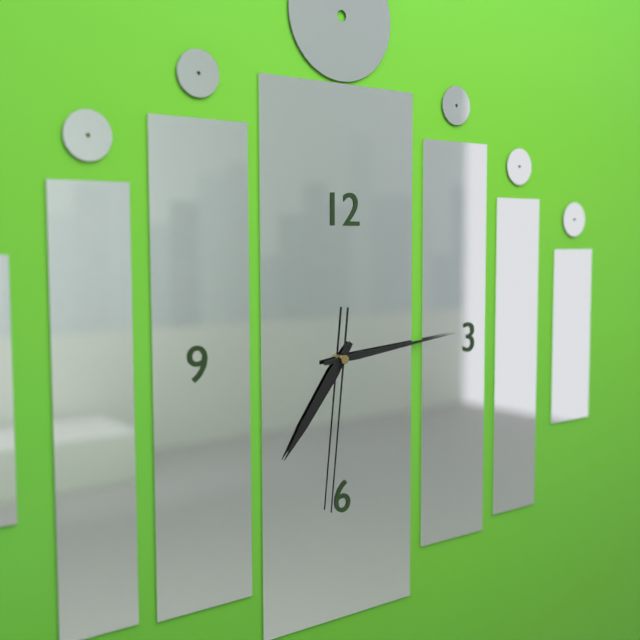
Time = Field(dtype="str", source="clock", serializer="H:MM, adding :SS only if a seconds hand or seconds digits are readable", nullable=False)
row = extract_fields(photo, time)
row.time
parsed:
7:14:31
